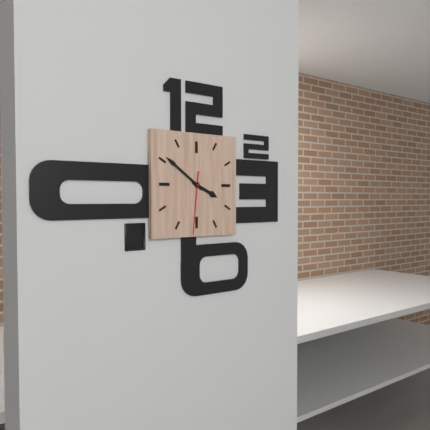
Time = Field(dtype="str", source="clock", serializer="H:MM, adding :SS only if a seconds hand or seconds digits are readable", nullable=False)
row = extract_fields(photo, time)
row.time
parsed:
3:51:31
